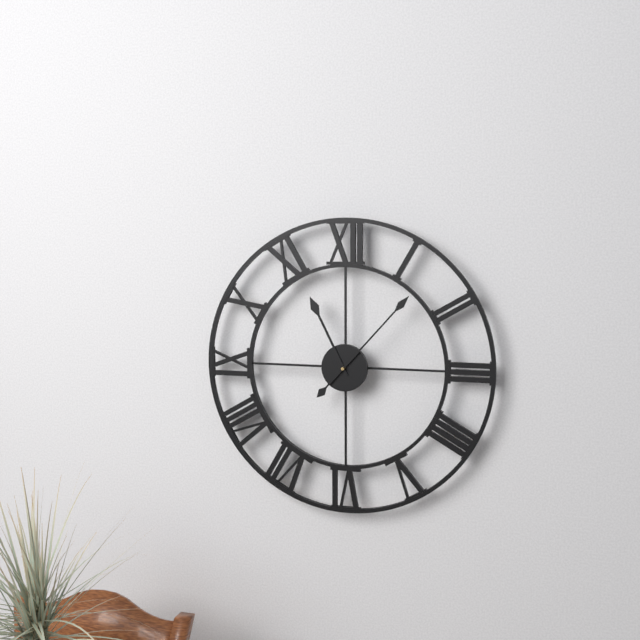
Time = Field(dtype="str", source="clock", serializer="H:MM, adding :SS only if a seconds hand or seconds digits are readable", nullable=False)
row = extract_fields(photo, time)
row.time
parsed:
11:07
